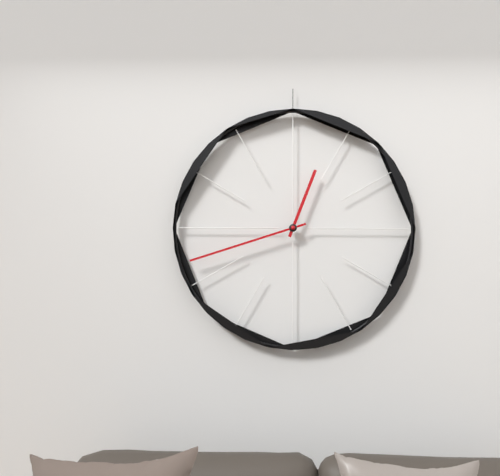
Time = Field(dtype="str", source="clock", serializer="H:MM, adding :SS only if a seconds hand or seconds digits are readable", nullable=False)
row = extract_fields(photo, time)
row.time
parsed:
12:42
